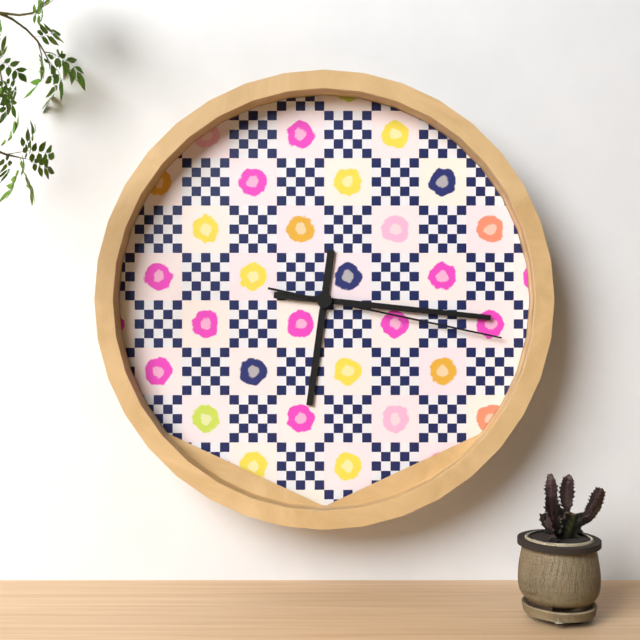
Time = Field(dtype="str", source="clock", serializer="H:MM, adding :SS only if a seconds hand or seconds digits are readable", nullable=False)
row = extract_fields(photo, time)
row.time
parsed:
6:16:17
